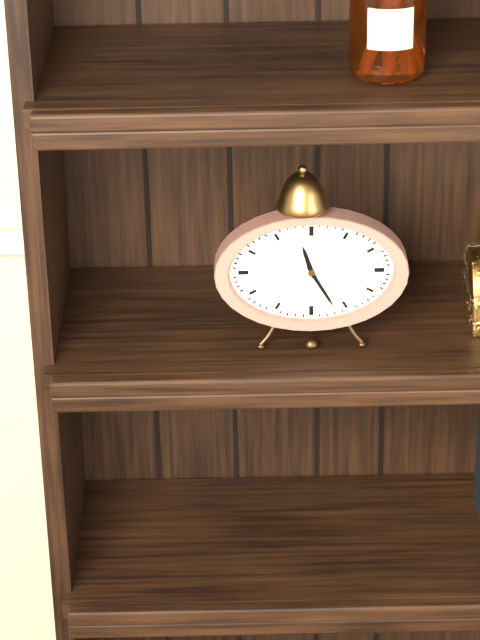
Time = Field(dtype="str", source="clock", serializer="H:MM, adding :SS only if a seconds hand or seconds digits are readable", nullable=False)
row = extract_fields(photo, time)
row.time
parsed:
11:25
